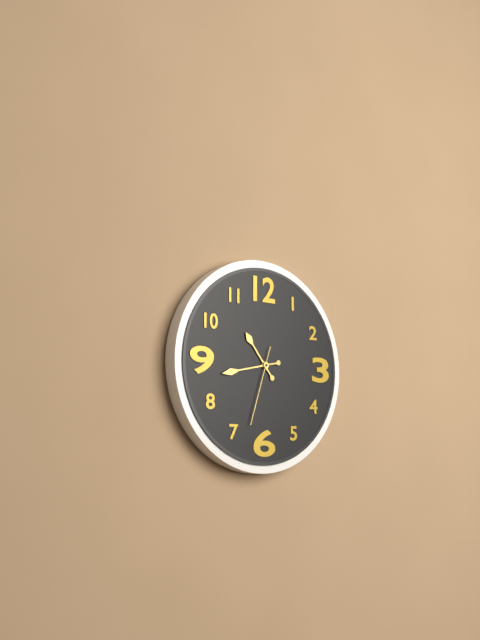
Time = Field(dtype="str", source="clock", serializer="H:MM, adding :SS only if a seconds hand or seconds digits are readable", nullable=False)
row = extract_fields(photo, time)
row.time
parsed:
10:43:33
